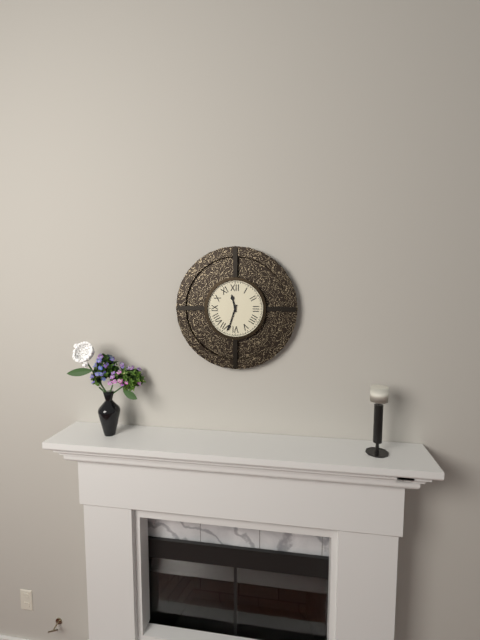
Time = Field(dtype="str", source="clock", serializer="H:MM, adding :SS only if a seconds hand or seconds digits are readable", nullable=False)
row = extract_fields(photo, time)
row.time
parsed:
11:33
